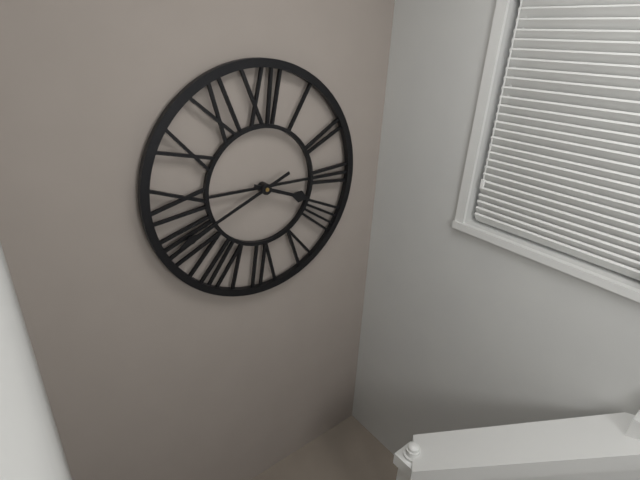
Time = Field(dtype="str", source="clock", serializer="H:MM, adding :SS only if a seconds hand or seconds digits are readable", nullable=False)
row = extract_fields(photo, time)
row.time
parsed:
3:41
